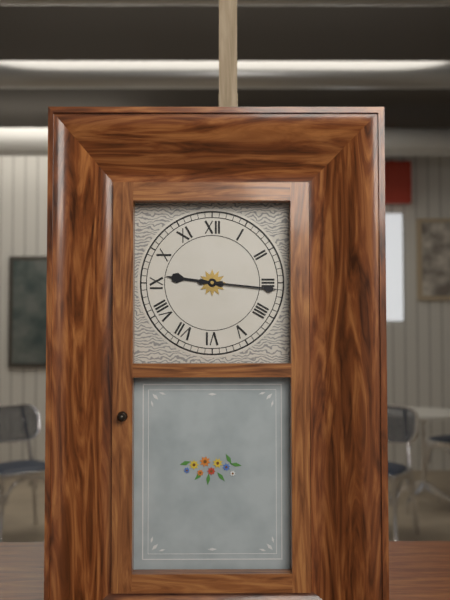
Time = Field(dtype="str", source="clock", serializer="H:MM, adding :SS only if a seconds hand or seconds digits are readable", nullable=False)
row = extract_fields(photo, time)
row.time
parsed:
9:16
